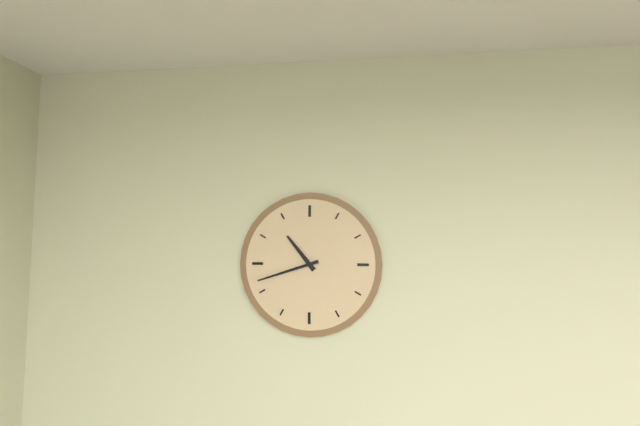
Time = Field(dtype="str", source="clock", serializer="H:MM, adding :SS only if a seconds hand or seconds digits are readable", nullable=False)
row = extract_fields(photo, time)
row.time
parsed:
10:42
